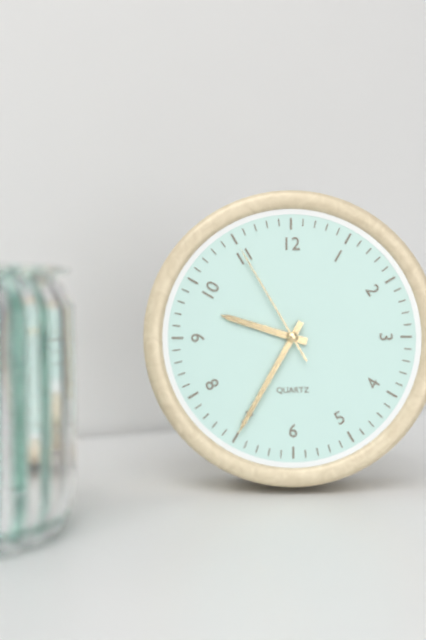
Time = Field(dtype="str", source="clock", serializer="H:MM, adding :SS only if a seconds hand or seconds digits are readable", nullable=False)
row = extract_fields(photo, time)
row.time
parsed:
9:35:55
